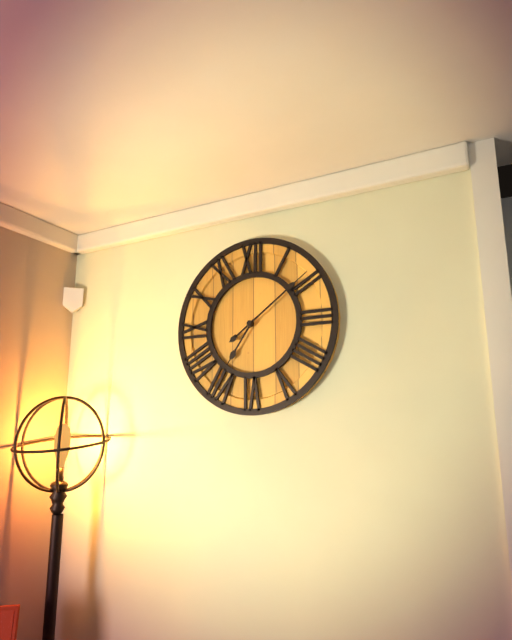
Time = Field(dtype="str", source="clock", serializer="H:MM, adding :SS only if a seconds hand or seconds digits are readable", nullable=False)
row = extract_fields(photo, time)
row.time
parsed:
7:09
